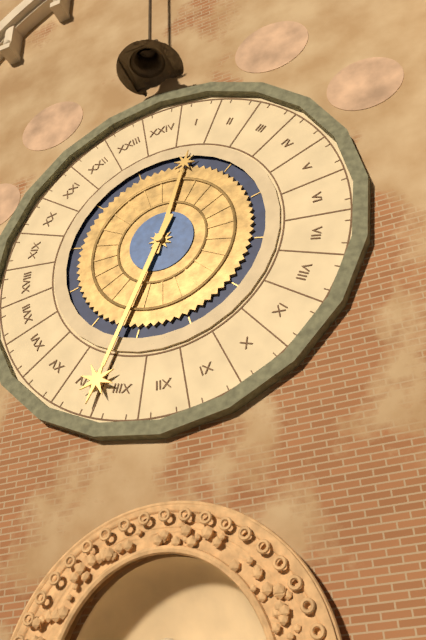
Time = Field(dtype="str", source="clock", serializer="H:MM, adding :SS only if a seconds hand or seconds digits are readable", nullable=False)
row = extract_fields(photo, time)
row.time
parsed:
12:34
